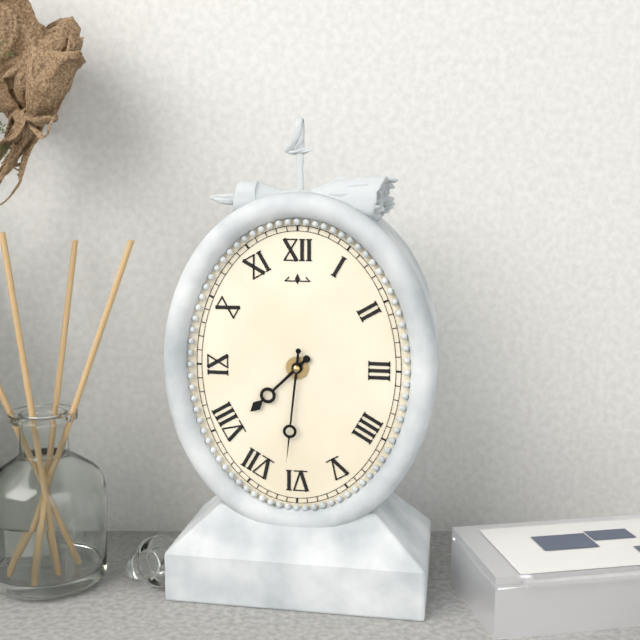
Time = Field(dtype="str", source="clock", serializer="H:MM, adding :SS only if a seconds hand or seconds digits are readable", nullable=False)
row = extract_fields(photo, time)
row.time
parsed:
7:31
